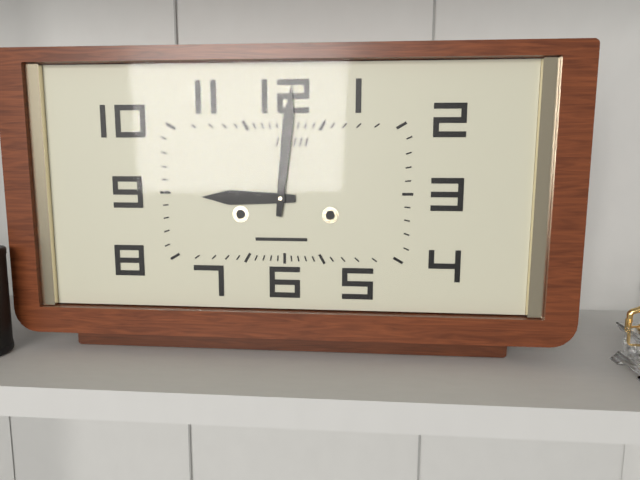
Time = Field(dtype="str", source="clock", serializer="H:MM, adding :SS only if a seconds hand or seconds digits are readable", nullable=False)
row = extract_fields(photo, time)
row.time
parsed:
9:01
